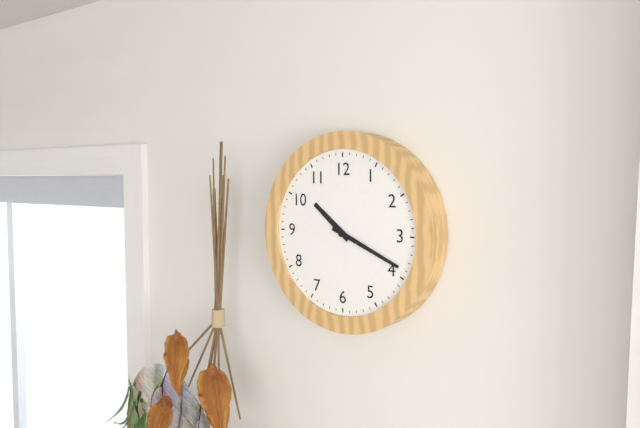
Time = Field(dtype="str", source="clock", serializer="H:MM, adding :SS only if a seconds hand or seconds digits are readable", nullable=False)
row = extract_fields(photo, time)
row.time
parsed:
10:19
